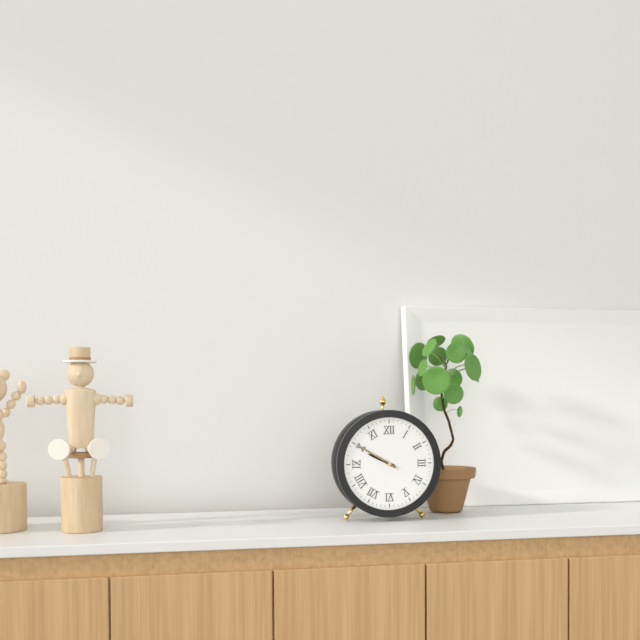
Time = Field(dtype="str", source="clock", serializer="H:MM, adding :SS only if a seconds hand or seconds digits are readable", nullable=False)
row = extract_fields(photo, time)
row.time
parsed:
9:50:50
